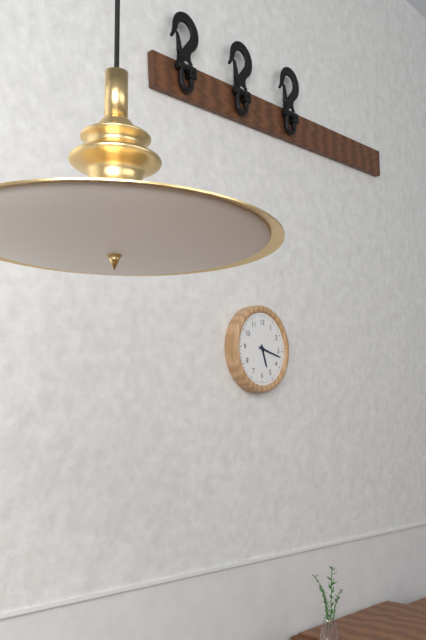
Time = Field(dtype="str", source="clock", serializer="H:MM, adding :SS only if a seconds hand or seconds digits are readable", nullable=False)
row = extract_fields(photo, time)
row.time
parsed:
5:17
